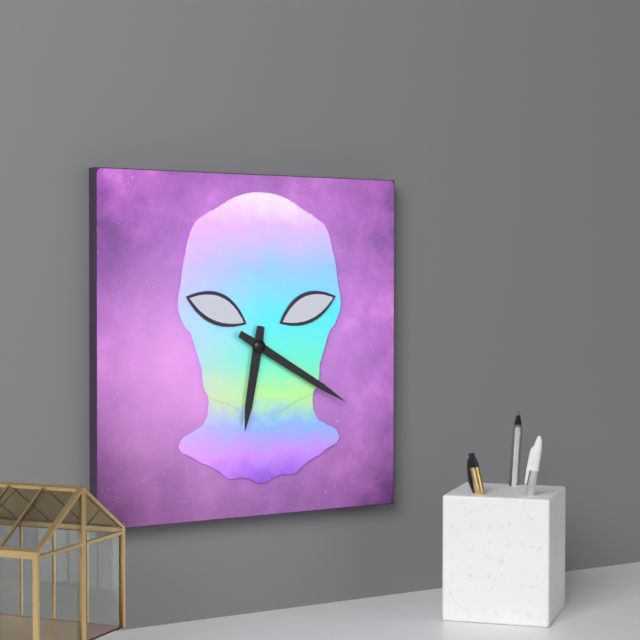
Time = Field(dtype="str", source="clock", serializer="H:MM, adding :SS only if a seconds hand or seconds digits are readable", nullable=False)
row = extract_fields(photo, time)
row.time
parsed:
6:20
